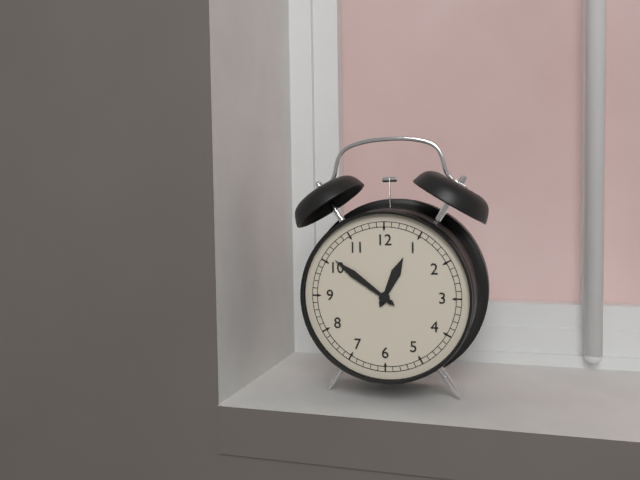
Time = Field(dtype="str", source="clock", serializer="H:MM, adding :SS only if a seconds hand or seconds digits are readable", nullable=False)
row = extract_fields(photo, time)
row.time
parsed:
12:51
